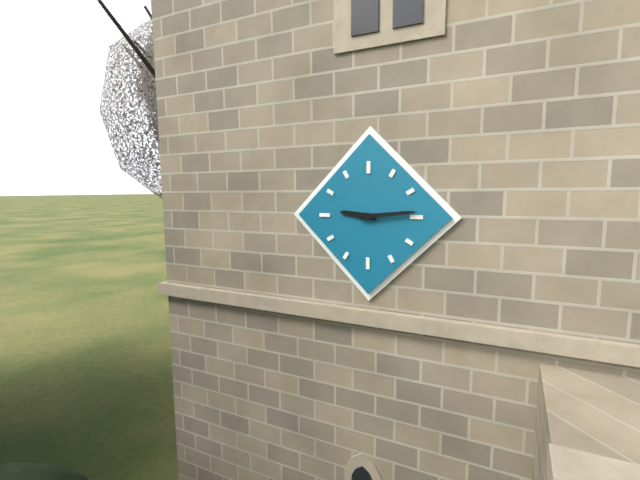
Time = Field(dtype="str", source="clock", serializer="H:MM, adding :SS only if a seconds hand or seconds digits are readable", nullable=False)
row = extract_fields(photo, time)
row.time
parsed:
9:14
